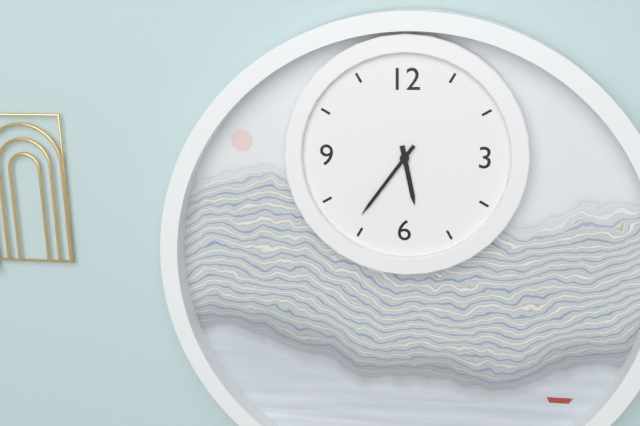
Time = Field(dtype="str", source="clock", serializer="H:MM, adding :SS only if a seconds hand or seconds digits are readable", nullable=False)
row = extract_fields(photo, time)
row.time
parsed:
5:36
